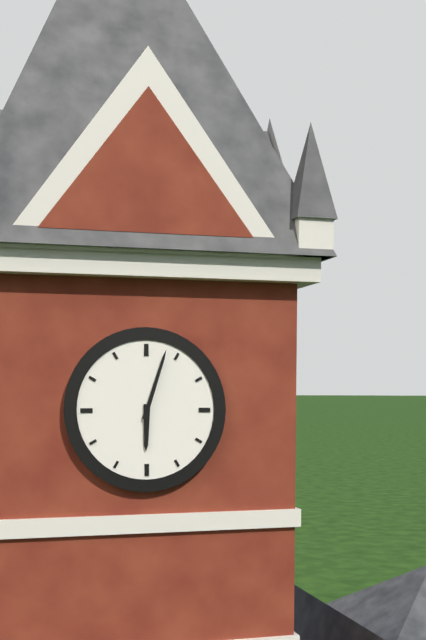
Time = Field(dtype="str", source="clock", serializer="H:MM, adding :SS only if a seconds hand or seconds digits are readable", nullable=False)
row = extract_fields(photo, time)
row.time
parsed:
6:03
